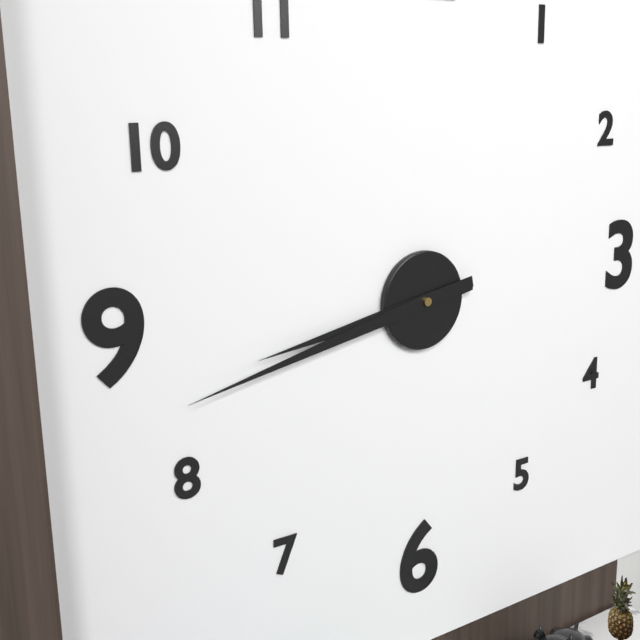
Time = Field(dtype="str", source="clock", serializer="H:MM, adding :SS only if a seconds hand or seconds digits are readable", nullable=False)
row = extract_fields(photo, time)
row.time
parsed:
8:43
